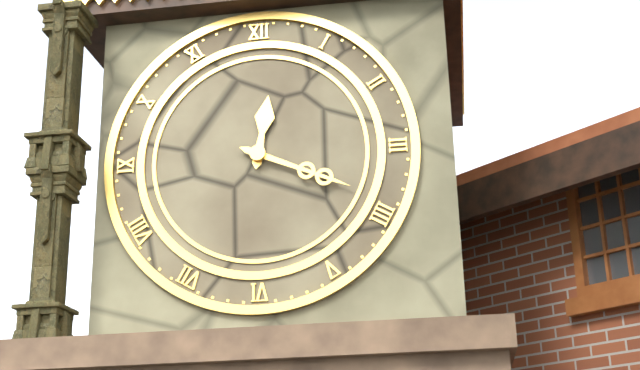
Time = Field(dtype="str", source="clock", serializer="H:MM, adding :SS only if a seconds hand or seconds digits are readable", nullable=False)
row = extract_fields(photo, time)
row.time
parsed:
12:19
